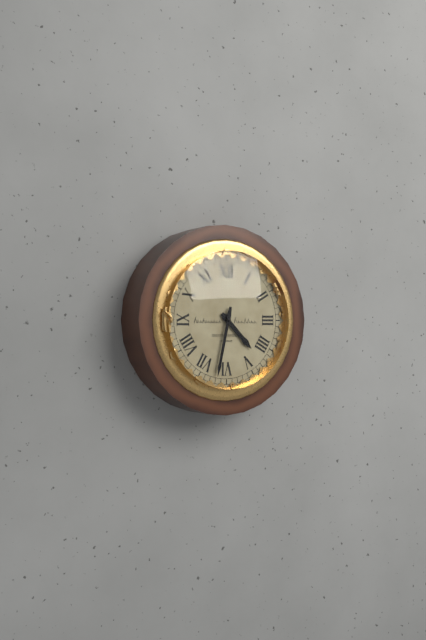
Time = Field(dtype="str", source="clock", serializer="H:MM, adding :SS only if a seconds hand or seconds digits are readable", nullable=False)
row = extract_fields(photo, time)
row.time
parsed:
4:32
